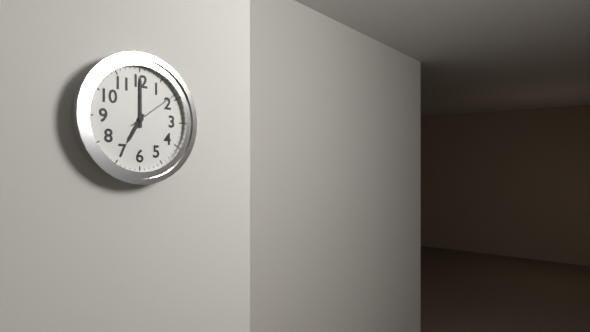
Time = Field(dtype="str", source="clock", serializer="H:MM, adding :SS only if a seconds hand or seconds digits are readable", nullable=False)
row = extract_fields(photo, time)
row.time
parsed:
7:00:09
